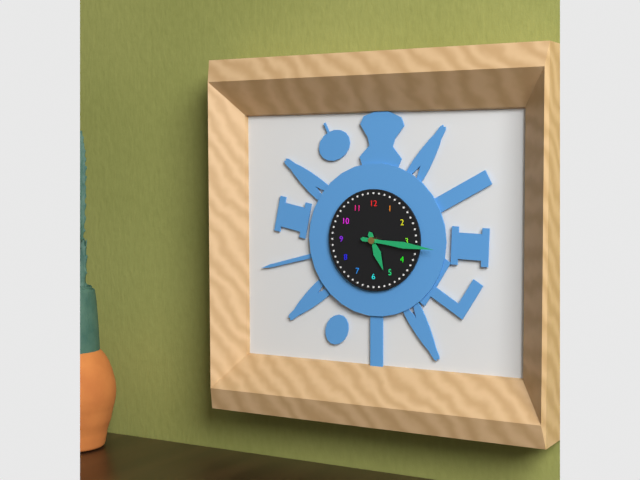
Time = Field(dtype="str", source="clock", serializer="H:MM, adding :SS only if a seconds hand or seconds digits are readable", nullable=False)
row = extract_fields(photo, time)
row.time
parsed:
5:16
